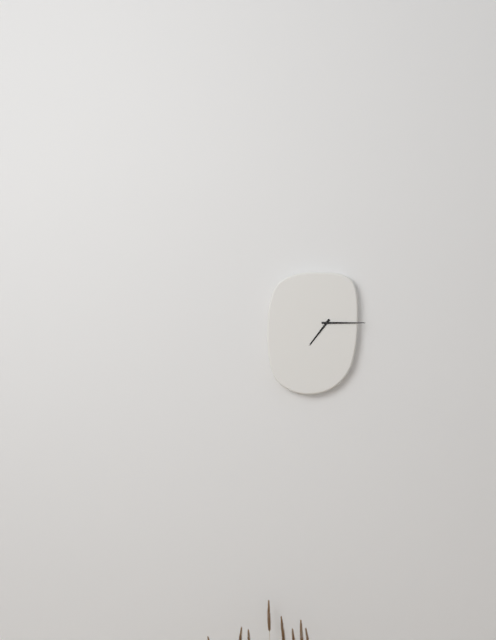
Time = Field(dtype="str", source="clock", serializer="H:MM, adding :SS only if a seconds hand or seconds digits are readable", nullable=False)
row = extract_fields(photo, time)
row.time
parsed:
7:15
